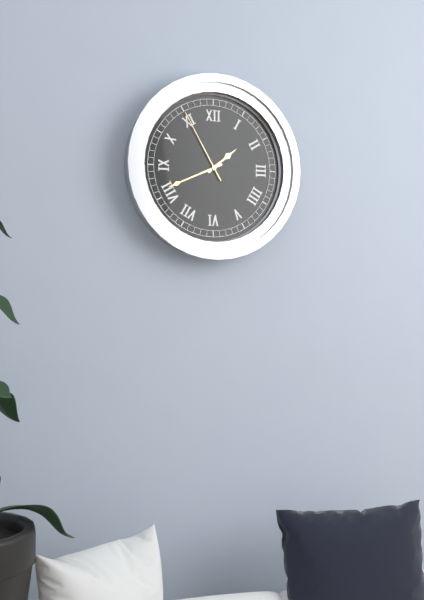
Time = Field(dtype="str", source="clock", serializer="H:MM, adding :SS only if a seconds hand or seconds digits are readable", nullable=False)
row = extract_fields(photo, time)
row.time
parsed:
1:41:55
